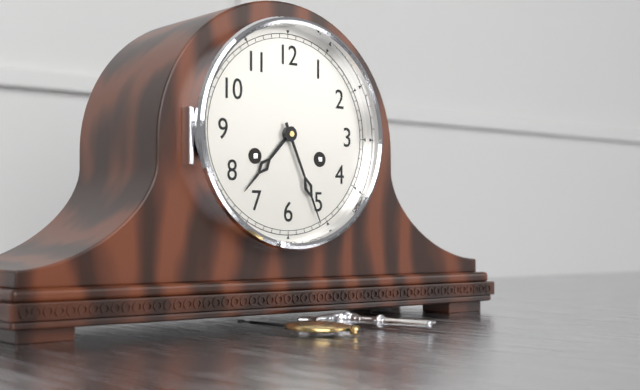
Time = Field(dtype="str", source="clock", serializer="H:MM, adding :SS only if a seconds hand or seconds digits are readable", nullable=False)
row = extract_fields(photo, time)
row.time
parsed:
7:26
